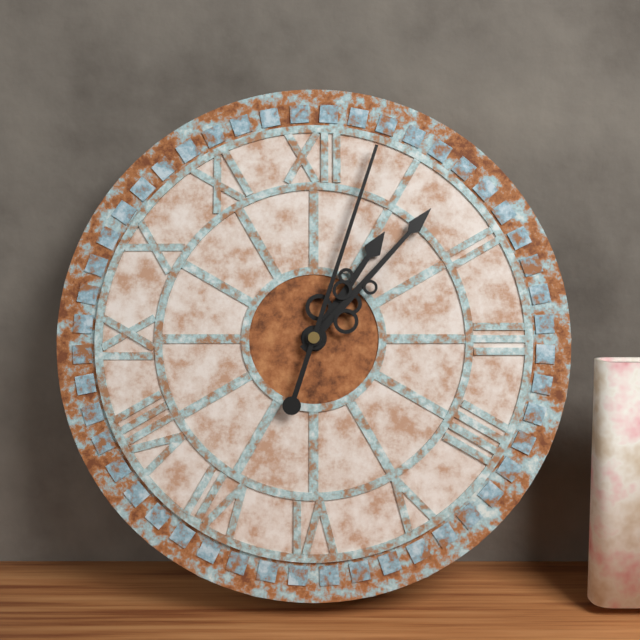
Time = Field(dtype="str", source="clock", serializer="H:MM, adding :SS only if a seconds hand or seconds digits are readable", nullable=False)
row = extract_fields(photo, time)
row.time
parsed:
1:07:03
